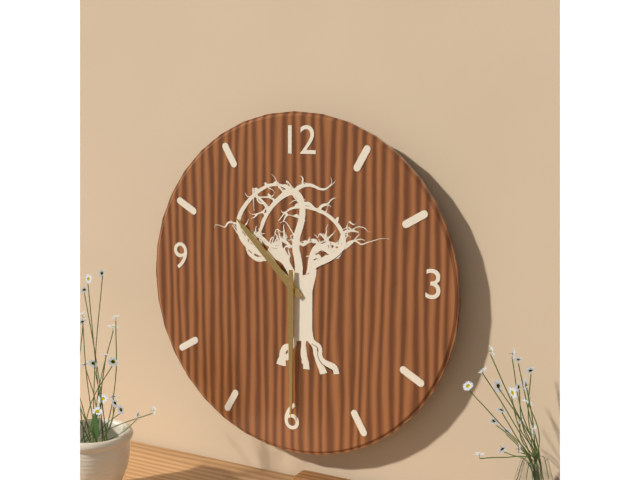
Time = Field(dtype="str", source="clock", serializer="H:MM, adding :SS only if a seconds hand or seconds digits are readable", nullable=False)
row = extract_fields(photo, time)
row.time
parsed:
10:30
